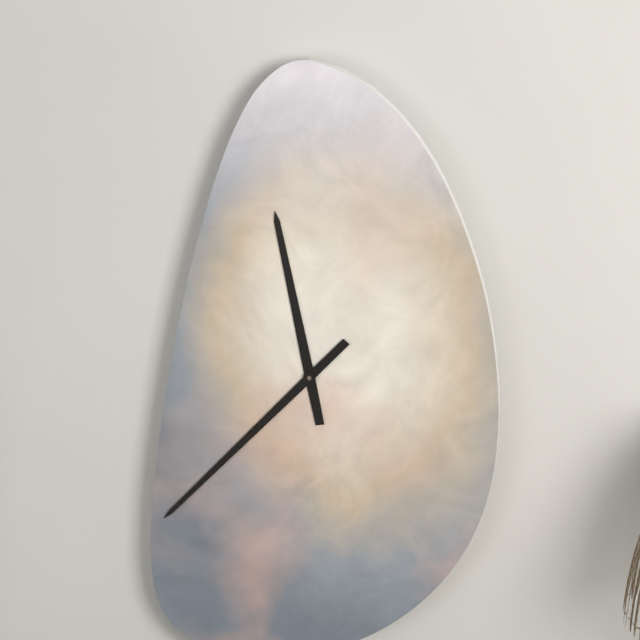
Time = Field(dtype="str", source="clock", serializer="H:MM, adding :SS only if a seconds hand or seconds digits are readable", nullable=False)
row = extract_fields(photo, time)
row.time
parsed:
11:37
